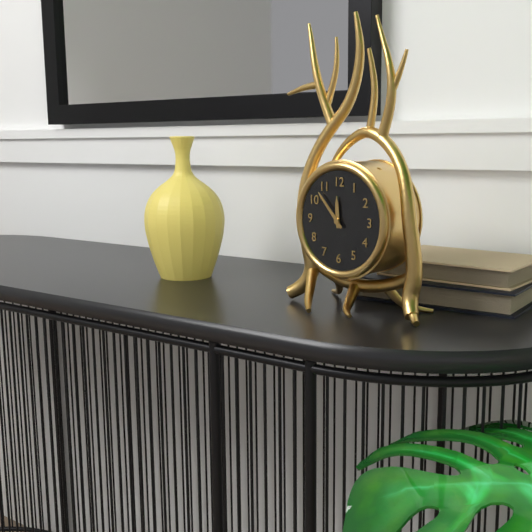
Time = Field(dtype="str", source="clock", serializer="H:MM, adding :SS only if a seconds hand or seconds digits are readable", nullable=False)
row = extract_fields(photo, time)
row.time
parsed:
11:53
